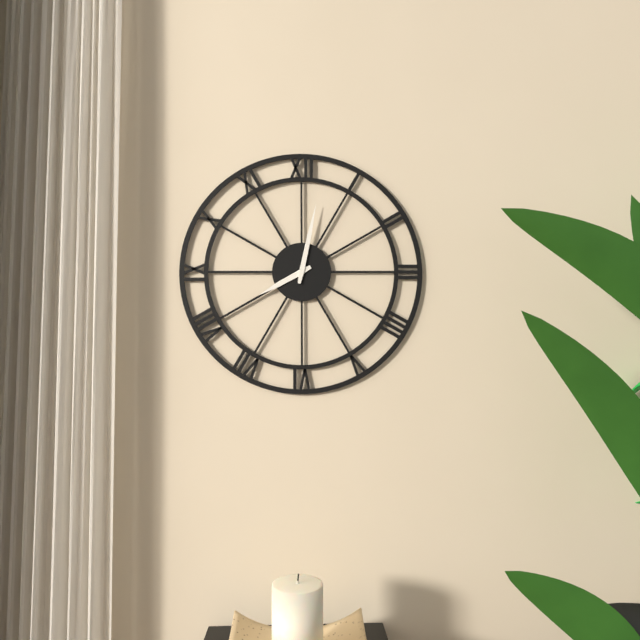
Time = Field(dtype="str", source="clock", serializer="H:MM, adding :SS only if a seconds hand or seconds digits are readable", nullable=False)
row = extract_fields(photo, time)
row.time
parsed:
8:02
